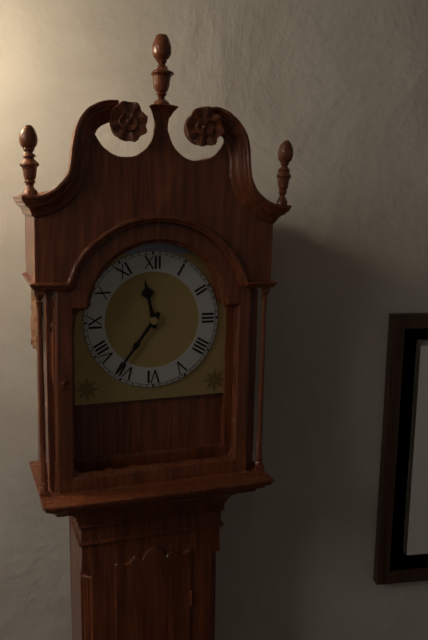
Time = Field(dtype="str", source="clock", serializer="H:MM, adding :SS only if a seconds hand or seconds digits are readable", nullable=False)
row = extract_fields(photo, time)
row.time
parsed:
11:36
